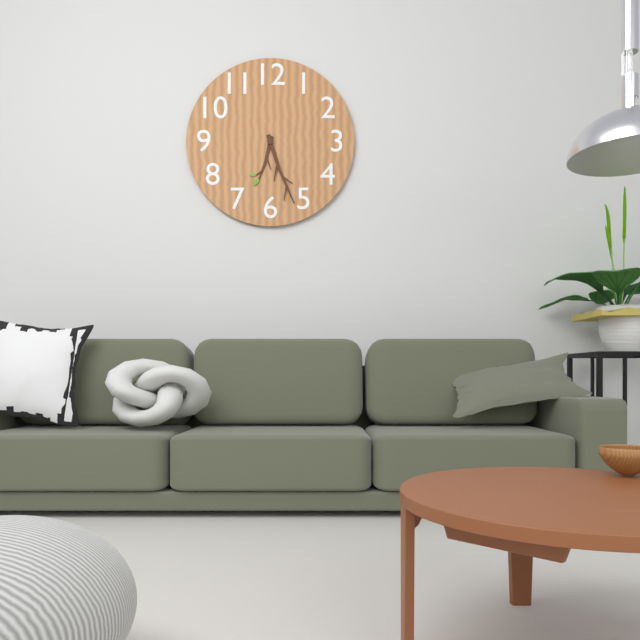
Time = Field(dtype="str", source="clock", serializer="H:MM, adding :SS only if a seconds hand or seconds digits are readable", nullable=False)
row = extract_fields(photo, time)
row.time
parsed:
6:27
